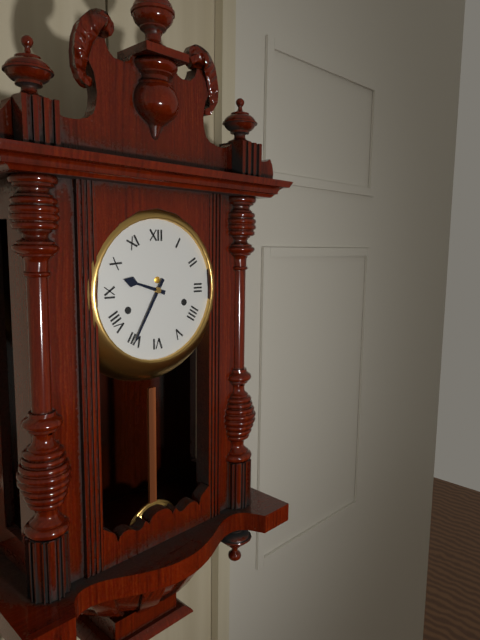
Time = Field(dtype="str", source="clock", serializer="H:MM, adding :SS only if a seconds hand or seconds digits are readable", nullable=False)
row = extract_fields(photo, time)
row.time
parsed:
9:35
